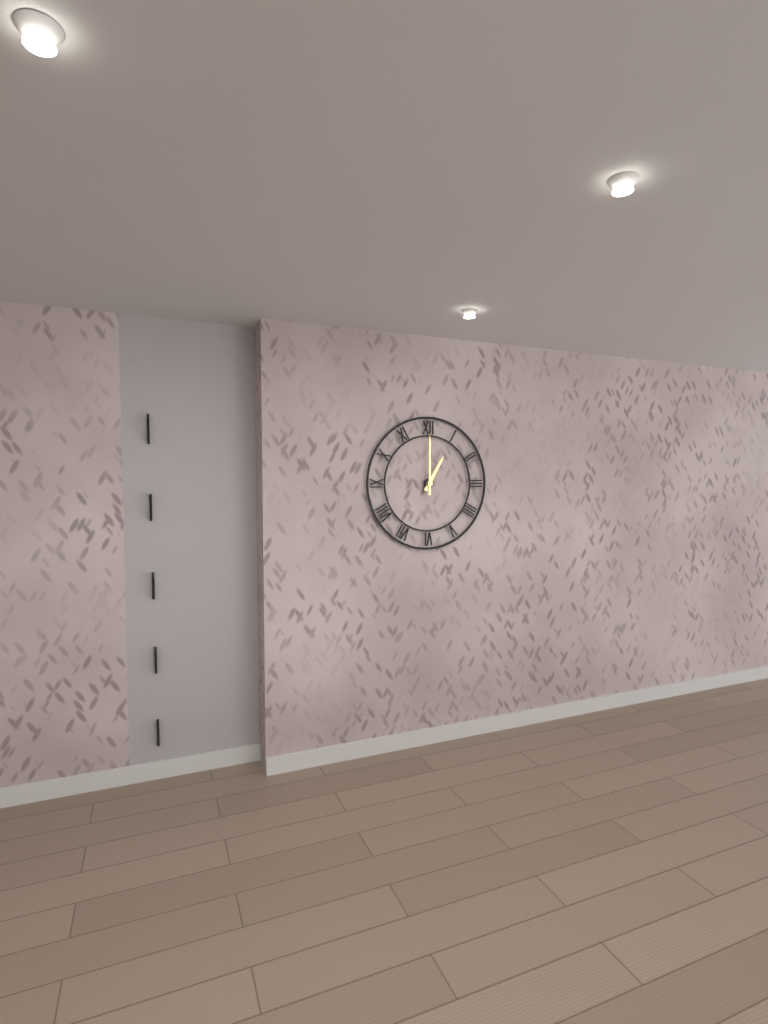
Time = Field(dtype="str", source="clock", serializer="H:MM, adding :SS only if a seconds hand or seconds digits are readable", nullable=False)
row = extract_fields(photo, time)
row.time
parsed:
1:00
